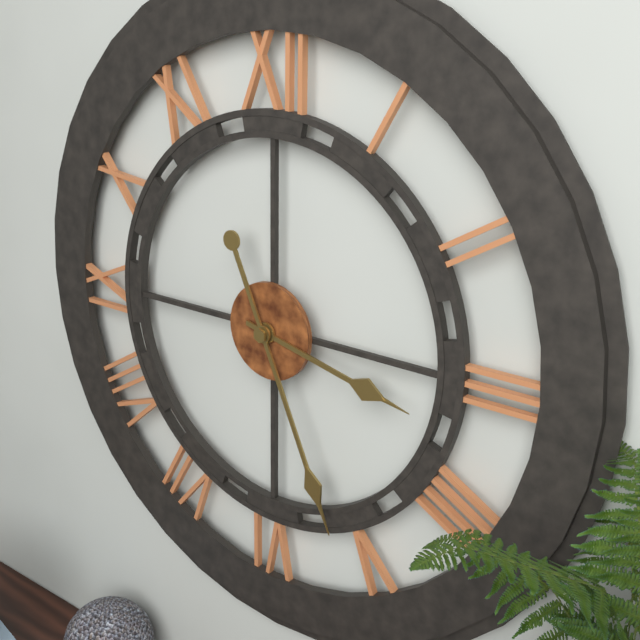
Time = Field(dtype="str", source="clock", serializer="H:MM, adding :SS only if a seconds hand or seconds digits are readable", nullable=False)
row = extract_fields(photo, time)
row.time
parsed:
3:26
